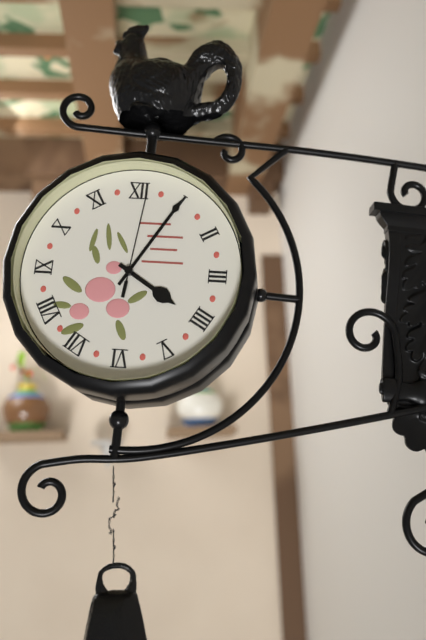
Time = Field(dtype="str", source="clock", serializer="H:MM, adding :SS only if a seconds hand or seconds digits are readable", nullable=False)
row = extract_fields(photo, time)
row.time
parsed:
4:05:01
